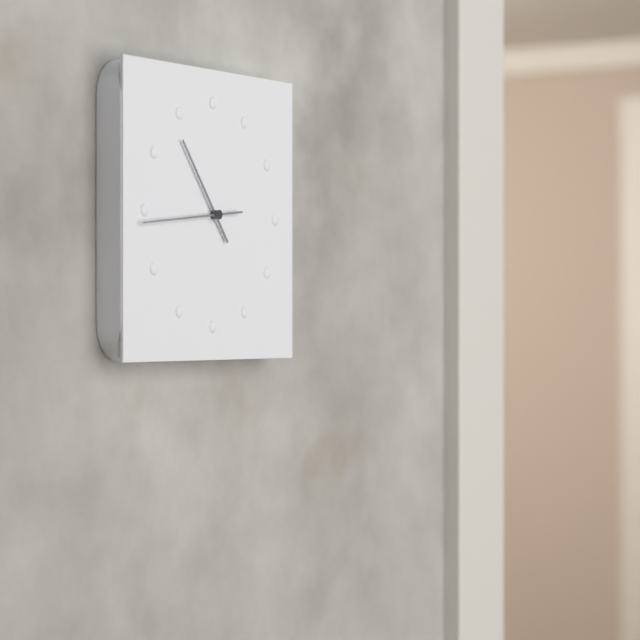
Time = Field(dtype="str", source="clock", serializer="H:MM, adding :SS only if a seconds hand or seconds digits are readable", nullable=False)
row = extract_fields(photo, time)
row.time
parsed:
10:44
